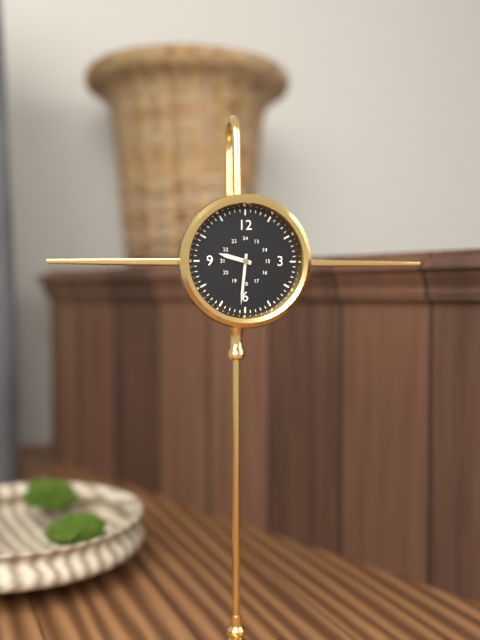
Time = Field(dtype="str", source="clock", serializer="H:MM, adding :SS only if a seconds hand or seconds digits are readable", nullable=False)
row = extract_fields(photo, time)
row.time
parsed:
9:31
